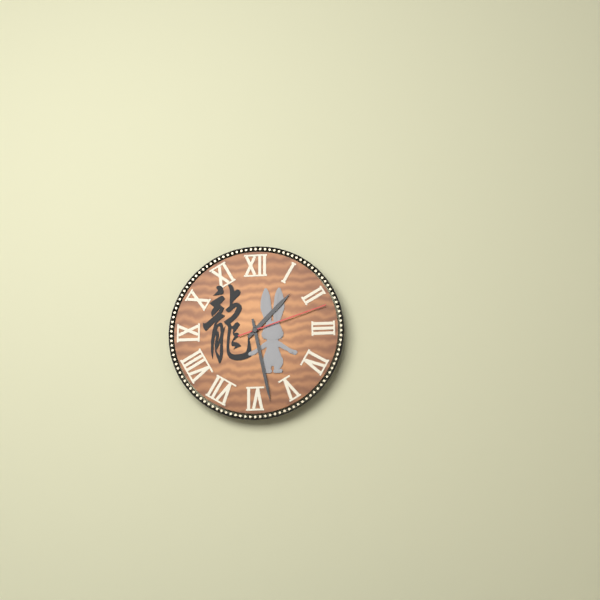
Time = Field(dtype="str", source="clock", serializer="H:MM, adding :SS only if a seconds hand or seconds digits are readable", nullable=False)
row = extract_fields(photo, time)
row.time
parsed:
1:28:12
